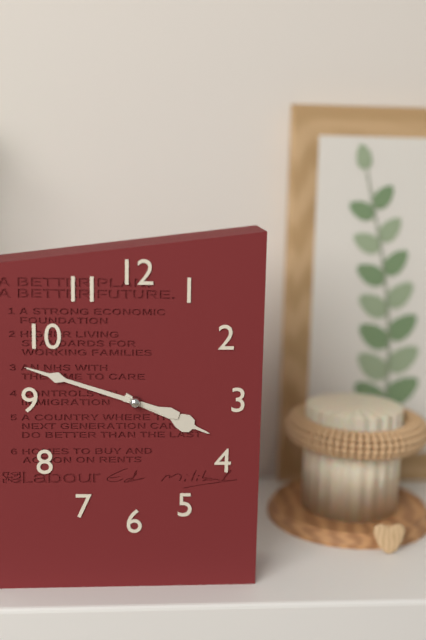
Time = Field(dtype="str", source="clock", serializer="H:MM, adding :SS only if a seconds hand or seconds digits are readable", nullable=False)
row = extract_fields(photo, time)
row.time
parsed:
3:48
